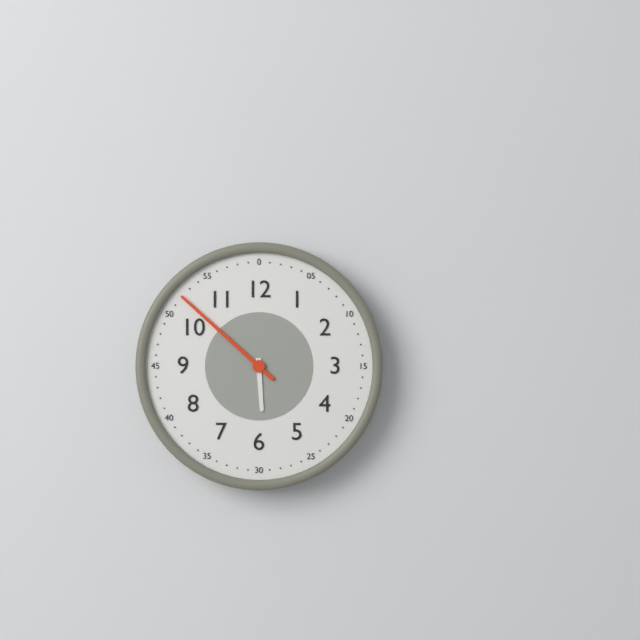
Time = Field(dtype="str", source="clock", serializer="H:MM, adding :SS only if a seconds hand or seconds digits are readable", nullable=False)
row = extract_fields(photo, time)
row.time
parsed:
5:52
